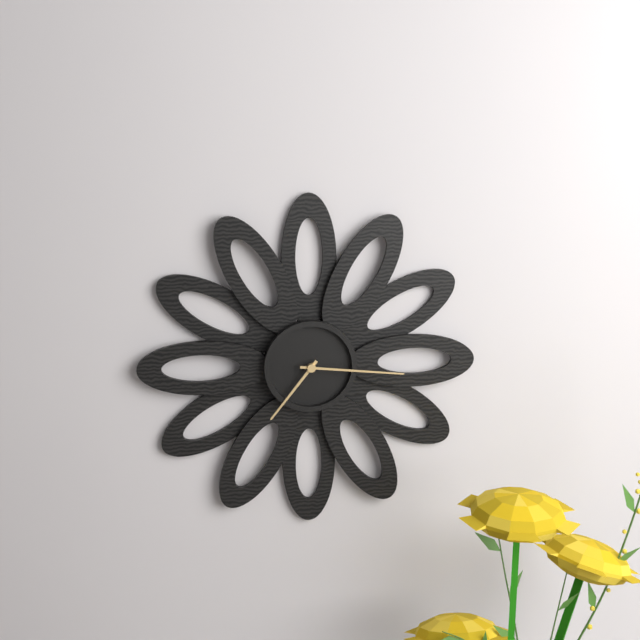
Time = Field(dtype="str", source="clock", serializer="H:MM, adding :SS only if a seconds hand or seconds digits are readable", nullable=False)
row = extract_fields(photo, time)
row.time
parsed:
7:16
